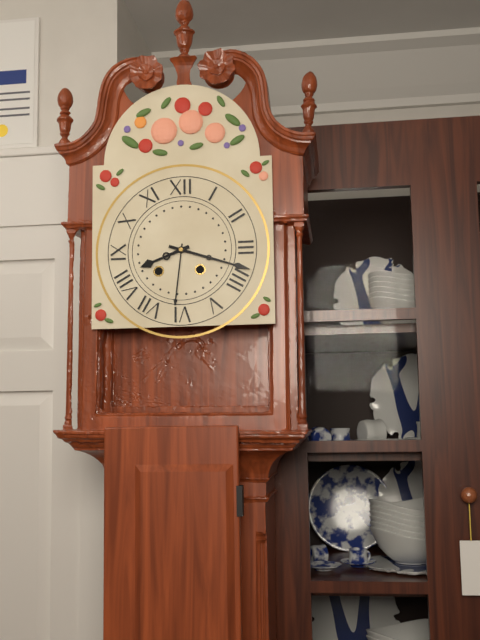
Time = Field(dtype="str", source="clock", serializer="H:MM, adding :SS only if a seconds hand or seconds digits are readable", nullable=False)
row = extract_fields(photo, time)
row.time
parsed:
8:18
